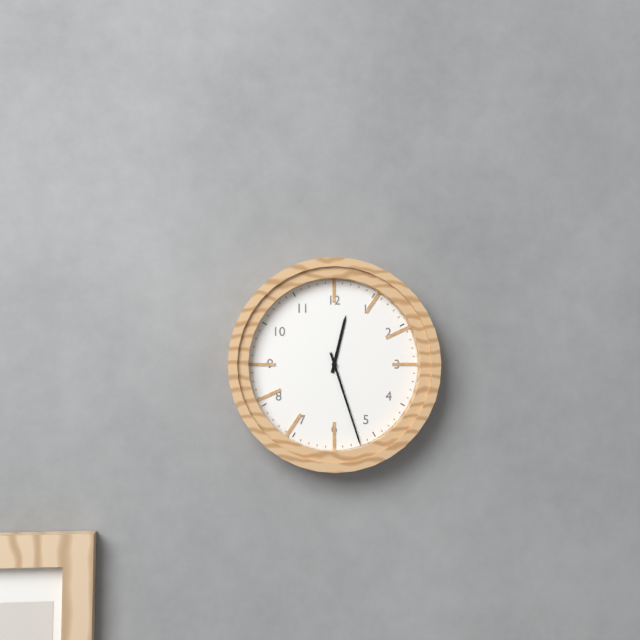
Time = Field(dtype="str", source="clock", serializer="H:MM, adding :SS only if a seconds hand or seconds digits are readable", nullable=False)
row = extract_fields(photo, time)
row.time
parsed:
12:27
